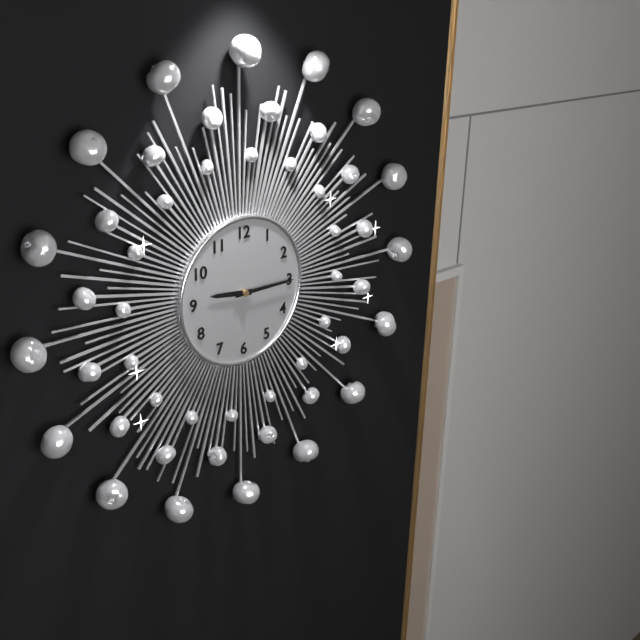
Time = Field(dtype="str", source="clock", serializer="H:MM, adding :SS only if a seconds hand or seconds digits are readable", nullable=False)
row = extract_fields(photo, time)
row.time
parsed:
9:15
